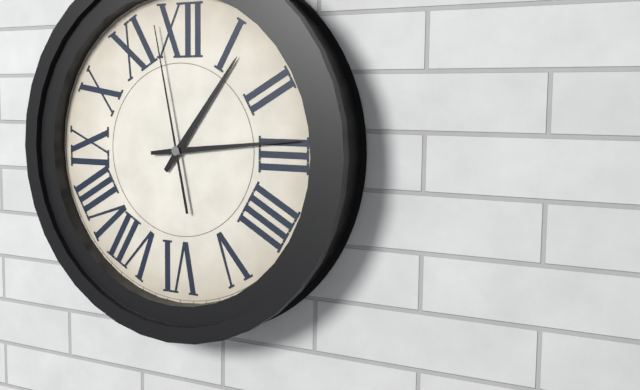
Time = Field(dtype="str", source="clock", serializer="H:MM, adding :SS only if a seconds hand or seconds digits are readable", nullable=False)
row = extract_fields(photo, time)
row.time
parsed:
1:14:58
